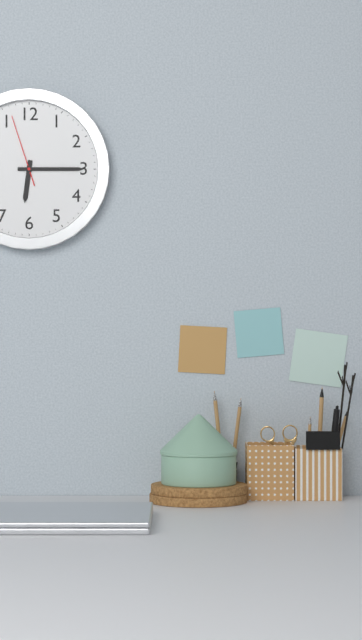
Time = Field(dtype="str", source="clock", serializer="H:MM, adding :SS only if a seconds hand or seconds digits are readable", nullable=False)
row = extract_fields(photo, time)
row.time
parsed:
6:15:57
